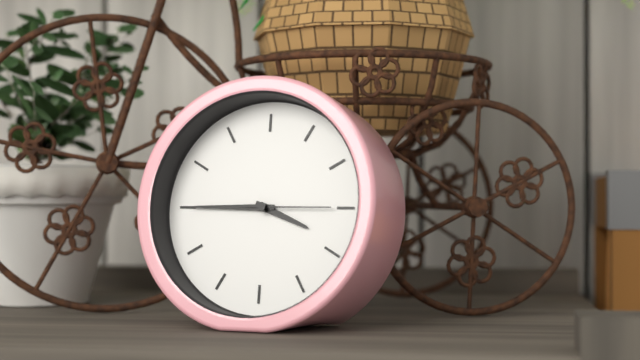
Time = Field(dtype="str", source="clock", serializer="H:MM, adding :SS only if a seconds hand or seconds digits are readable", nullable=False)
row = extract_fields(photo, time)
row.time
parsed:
3:45:15
